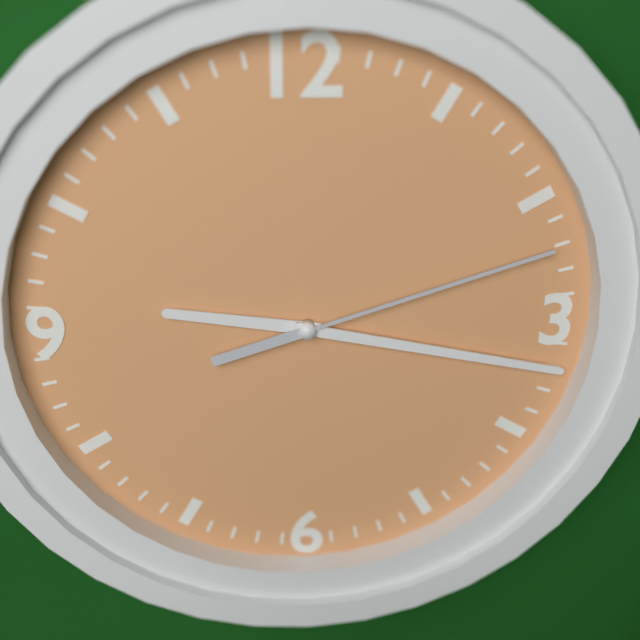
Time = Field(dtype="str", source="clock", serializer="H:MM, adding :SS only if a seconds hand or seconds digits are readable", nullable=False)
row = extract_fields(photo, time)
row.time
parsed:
9:17:12
